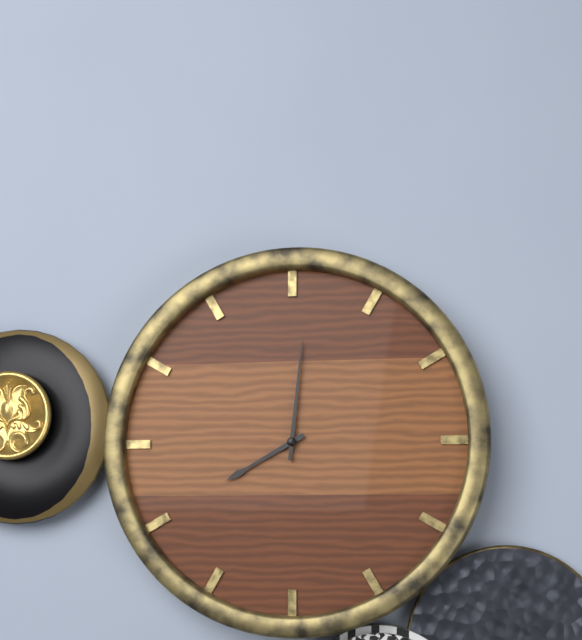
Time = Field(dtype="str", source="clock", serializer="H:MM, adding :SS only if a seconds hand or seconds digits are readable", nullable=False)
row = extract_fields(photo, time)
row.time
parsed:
8:01
